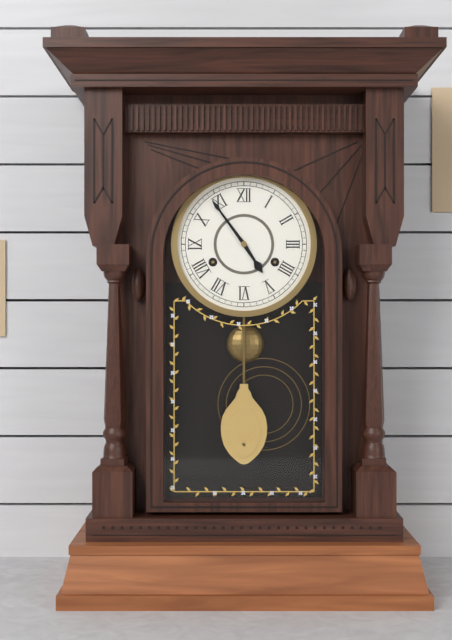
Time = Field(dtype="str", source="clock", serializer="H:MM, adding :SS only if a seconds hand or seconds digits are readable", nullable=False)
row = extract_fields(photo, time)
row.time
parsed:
4:54
